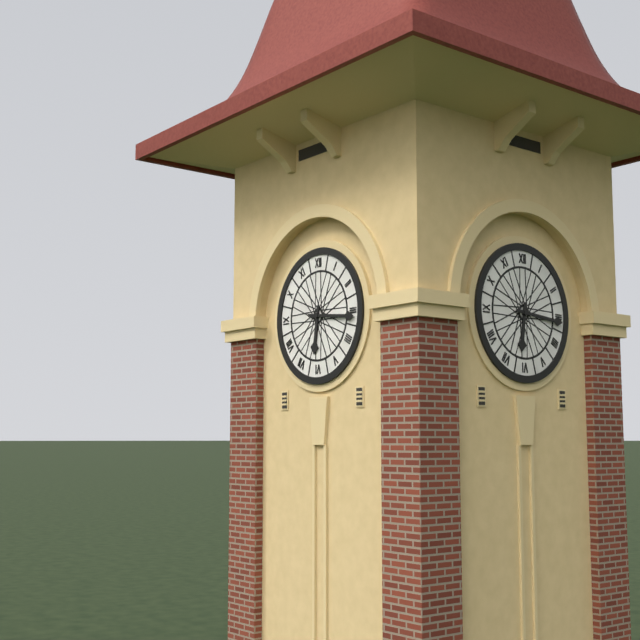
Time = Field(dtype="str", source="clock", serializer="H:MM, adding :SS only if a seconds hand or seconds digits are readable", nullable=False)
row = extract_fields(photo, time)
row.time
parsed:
6:16
